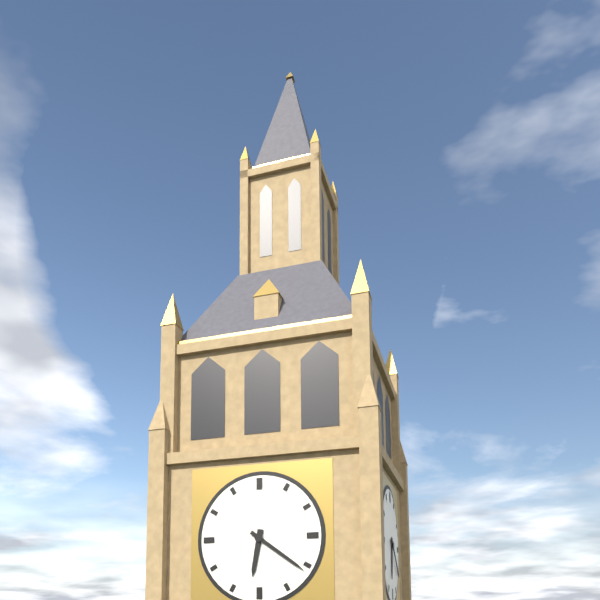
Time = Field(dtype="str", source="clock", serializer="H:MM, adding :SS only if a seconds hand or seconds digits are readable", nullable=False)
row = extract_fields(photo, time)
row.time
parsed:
6:21
